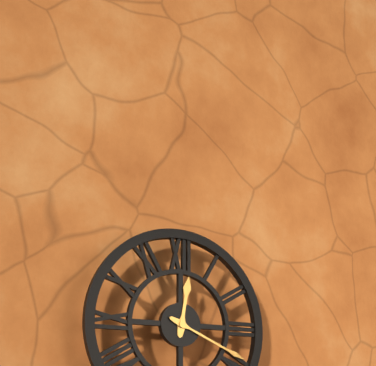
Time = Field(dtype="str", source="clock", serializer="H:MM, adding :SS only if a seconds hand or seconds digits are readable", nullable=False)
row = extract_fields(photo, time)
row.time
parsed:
12:19
